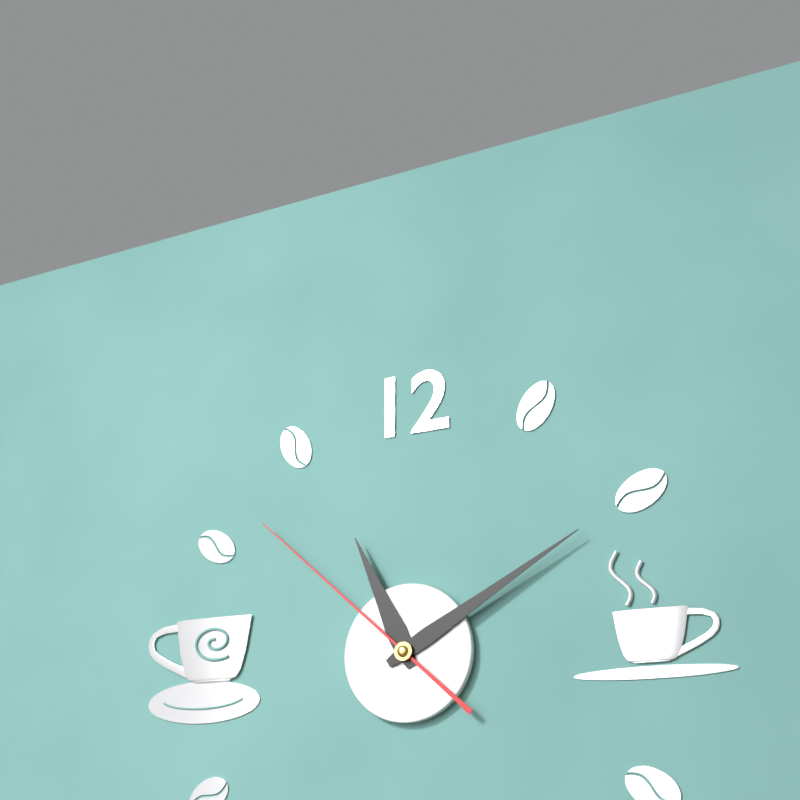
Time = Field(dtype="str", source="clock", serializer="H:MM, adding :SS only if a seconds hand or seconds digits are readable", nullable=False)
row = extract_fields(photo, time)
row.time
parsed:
11:10:52
